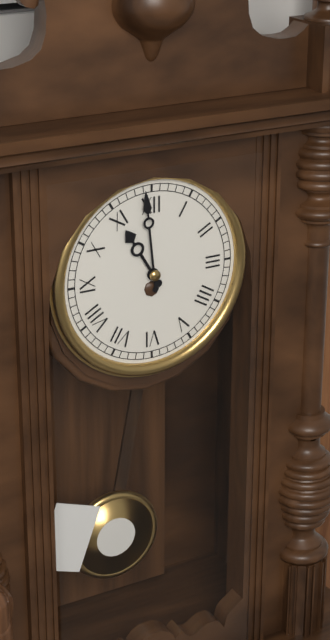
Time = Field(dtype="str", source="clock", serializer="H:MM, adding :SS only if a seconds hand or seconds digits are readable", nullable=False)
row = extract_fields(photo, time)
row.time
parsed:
10:59
